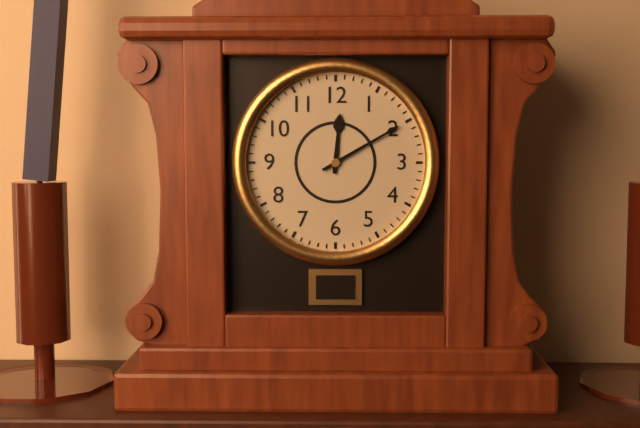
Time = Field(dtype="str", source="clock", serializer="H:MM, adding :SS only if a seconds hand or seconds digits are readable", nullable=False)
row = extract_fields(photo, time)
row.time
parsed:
12:10
